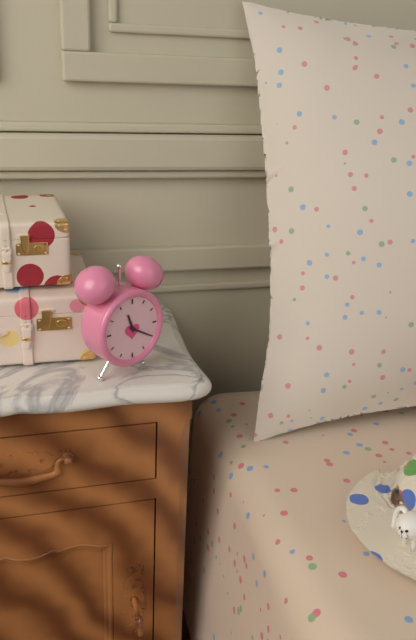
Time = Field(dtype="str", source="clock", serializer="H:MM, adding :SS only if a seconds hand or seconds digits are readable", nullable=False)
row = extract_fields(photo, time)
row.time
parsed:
11:20
